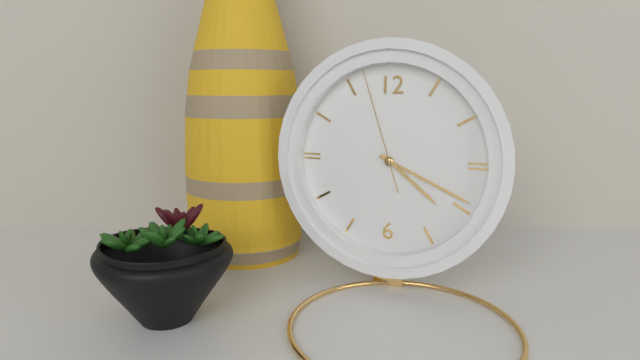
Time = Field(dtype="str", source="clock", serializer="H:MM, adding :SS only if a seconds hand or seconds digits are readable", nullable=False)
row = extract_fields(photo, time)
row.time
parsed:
4:19:57
